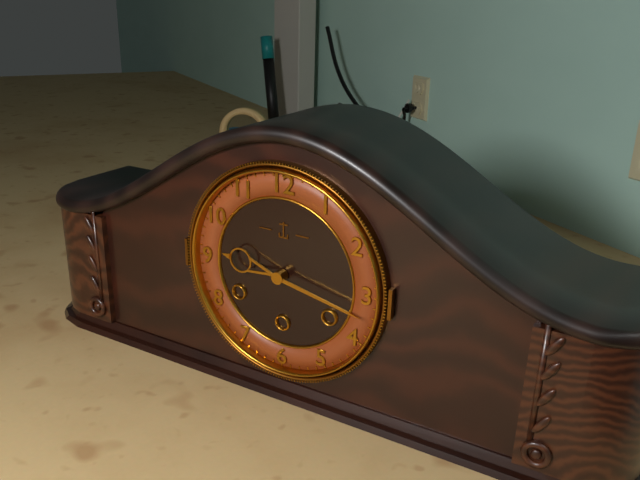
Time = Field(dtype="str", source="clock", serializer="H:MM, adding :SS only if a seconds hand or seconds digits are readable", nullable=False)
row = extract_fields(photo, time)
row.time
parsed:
9:17
